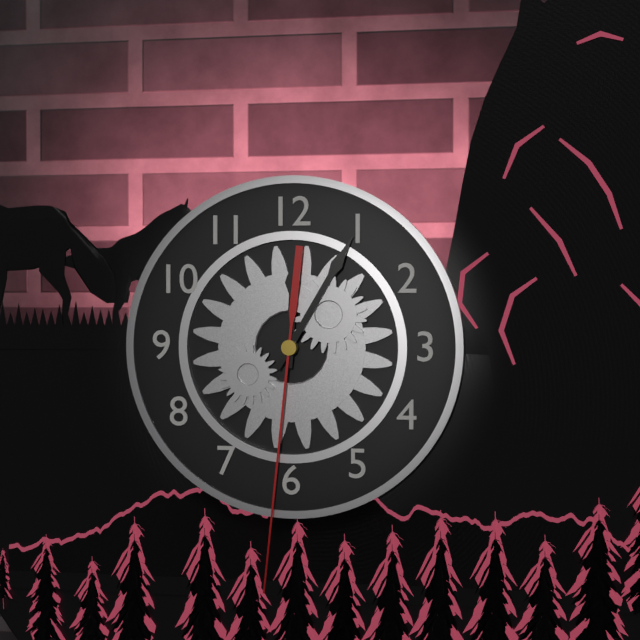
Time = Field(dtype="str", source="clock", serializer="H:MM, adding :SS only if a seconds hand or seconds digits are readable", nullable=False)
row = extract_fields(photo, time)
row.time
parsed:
12:05:31
